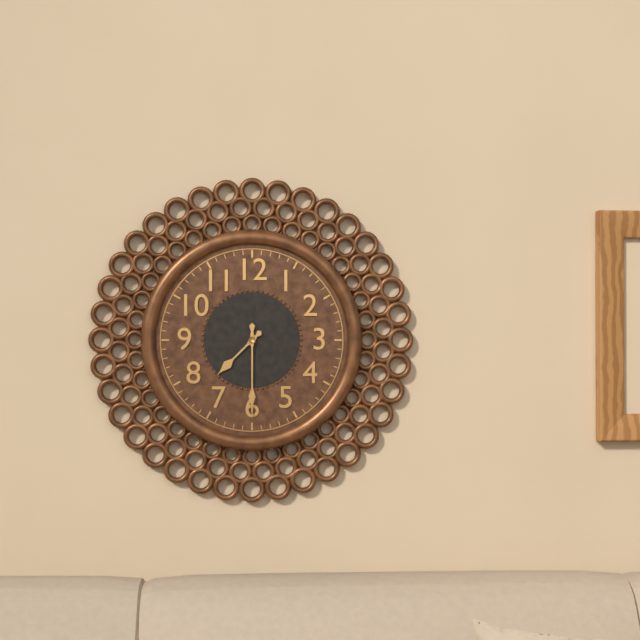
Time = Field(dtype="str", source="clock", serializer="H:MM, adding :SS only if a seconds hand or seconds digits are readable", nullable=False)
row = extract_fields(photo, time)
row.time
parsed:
7:30
